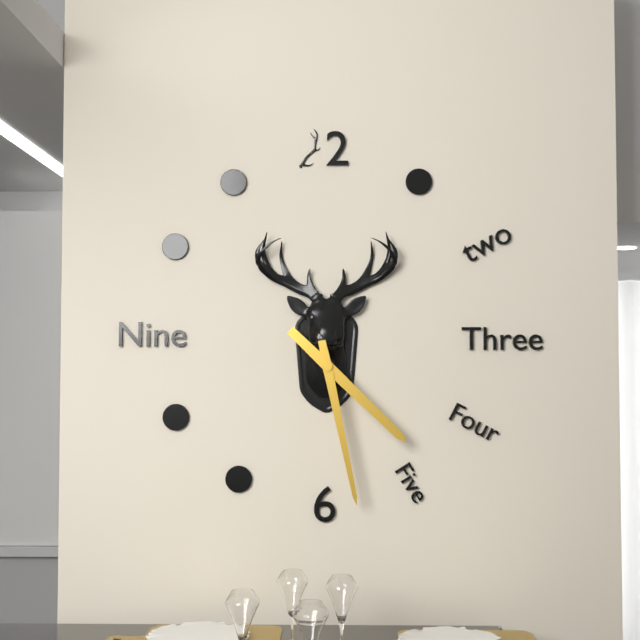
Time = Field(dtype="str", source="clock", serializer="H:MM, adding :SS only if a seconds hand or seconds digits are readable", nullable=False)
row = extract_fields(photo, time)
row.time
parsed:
4:28
